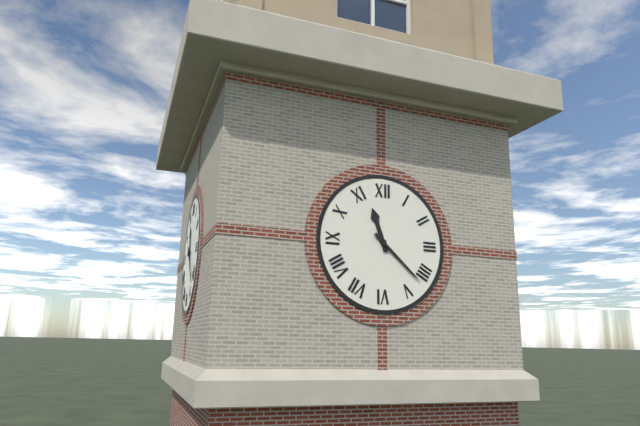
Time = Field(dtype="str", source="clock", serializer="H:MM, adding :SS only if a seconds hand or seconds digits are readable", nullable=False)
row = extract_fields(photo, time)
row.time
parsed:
11:22
